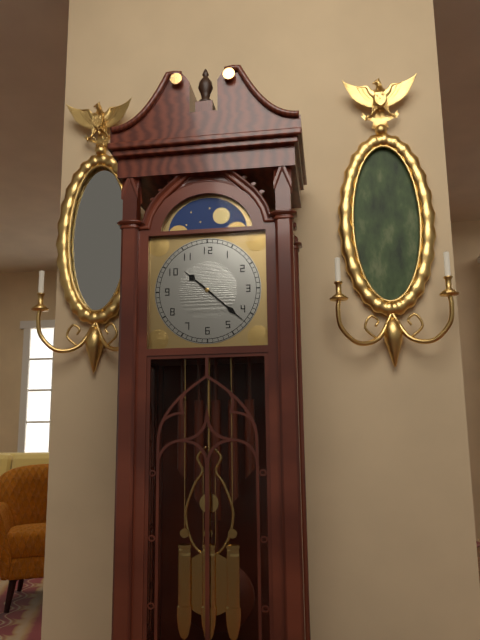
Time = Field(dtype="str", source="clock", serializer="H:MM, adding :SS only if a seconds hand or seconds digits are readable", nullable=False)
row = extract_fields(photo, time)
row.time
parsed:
10:22
